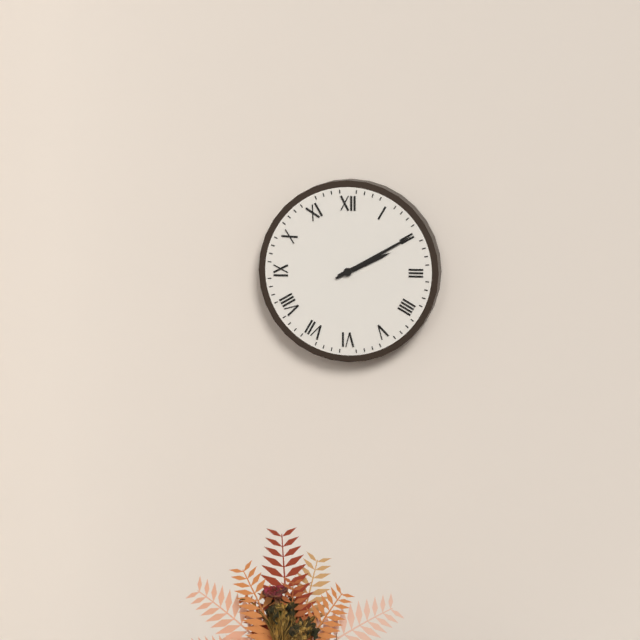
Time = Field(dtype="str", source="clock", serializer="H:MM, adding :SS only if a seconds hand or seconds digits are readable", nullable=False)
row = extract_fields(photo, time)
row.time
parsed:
2:10
